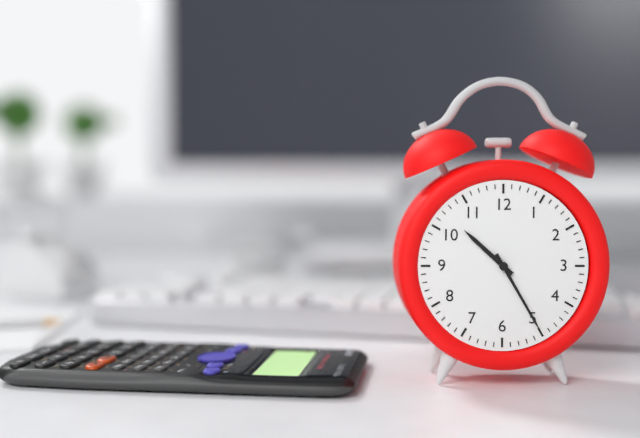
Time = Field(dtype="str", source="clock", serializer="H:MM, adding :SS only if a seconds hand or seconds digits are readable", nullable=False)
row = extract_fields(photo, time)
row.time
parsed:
10:25
